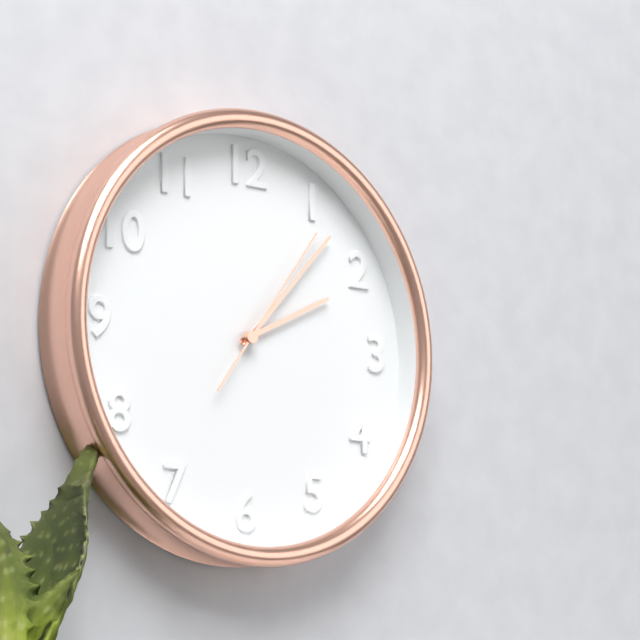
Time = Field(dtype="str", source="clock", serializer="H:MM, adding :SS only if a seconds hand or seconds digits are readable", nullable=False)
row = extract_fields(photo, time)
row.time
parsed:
2:07:06
